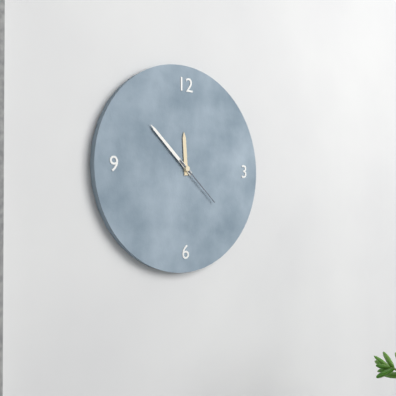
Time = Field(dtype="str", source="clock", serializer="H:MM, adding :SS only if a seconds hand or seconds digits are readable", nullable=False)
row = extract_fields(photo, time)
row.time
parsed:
11:52:22
